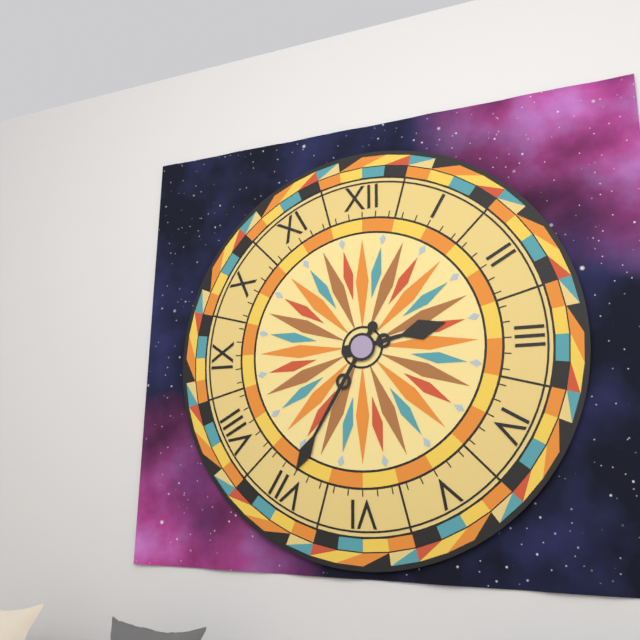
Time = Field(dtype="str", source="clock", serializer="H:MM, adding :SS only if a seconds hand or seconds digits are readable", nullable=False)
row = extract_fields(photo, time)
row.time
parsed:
2:35
